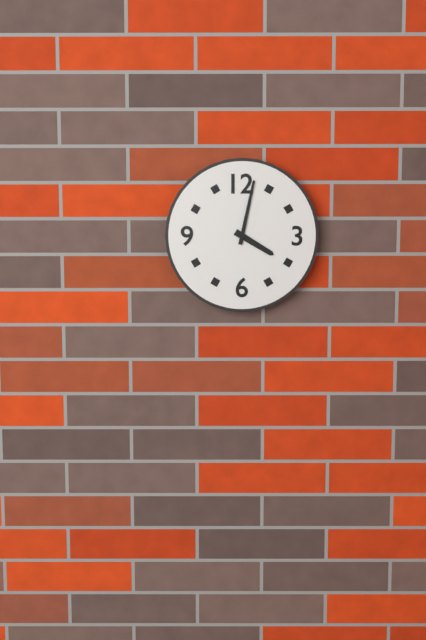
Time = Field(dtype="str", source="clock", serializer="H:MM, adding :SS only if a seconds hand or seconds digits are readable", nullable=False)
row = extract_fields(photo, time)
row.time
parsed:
4:02
